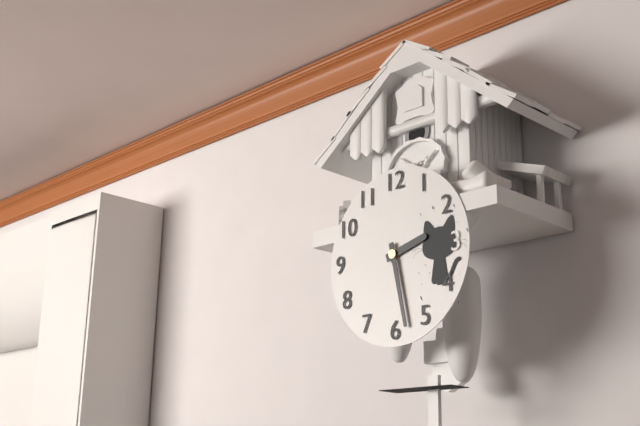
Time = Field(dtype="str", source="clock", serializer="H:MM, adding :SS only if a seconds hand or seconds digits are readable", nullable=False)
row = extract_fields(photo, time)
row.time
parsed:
2:28
